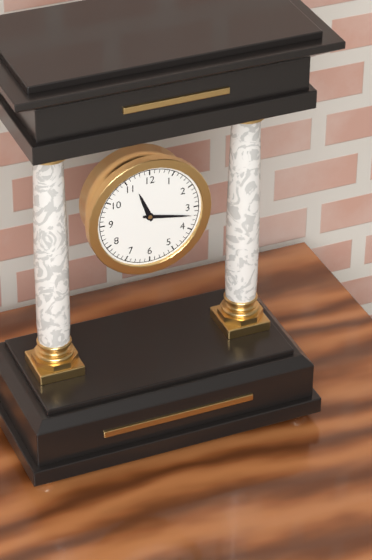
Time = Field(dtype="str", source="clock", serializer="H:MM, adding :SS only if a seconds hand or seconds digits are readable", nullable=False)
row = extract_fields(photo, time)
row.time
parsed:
11:17
